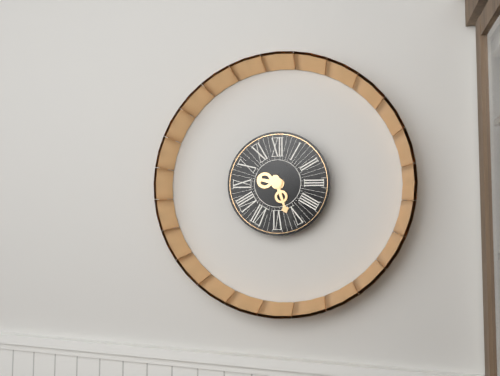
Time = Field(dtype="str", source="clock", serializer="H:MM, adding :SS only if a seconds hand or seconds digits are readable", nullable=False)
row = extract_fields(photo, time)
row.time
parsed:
9:27
